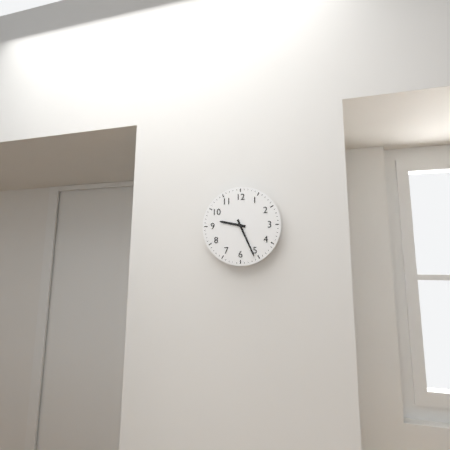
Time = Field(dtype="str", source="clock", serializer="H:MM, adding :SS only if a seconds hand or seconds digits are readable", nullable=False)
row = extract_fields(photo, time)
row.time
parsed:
9:26
